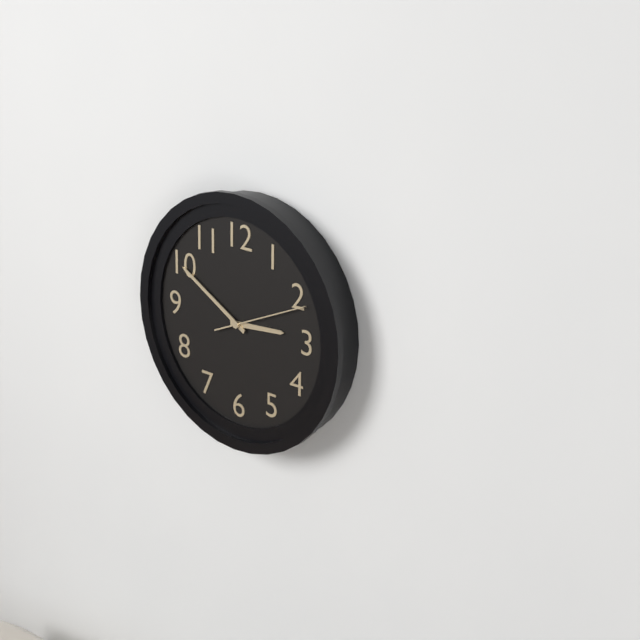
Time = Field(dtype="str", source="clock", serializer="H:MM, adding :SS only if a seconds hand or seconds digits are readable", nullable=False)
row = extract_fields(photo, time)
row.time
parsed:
2:50:11
